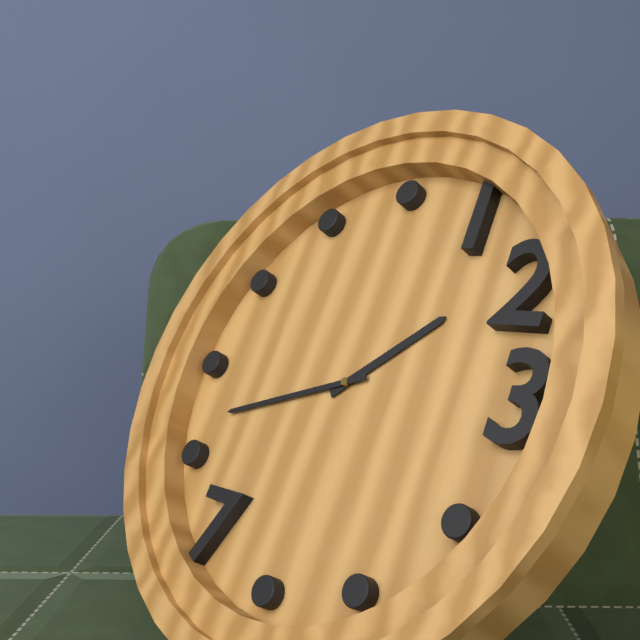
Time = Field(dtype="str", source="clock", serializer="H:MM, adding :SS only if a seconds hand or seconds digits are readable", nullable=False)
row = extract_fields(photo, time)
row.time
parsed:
1:42
